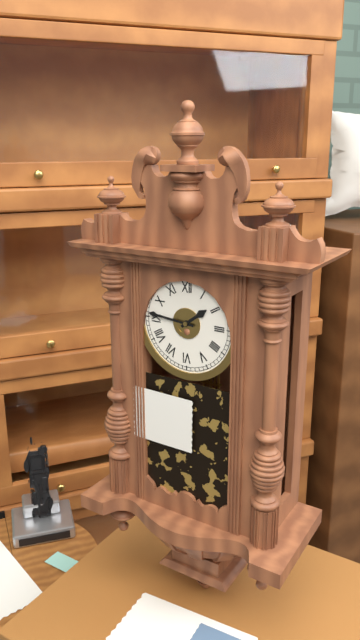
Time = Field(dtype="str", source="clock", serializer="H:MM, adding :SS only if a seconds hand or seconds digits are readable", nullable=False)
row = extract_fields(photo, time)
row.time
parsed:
1:46
